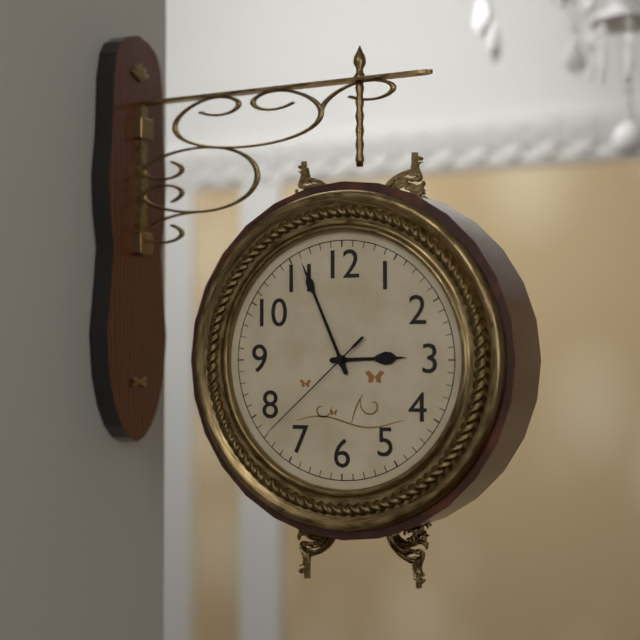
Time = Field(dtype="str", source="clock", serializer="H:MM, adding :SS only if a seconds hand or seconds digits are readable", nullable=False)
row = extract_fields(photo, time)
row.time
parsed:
2:56:38
